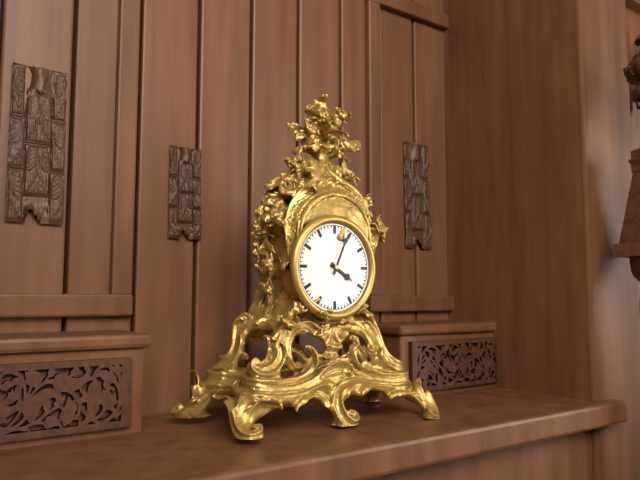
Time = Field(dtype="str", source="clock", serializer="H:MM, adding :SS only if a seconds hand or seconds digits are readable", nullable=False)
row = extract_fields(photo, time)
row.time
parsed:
4:04
